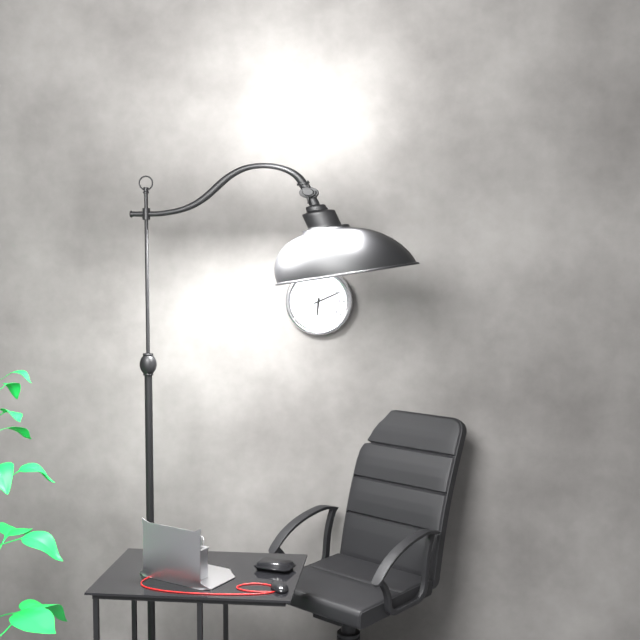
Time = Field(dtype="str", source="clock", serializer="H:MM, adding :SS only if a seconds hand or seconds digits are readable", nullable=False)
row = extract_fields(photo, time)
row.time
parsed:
6:11
